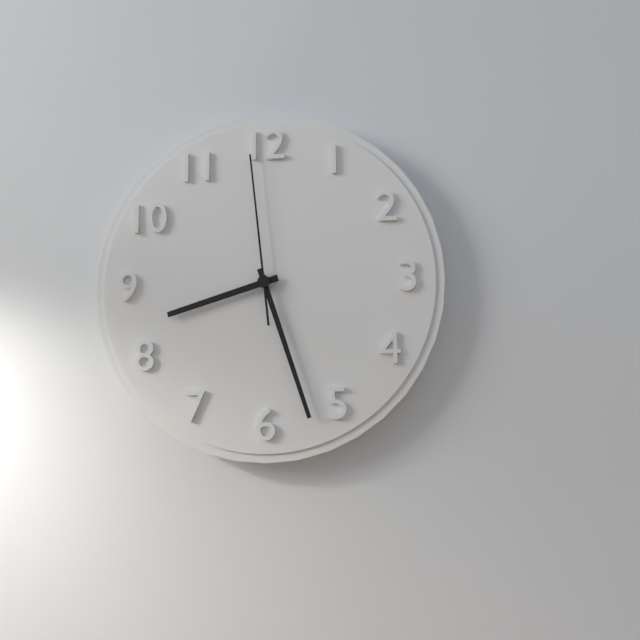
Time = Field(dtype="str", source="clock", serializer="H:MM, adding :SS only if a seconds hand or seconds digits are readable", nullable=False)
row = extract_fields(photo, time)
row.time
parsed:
8:27:59
